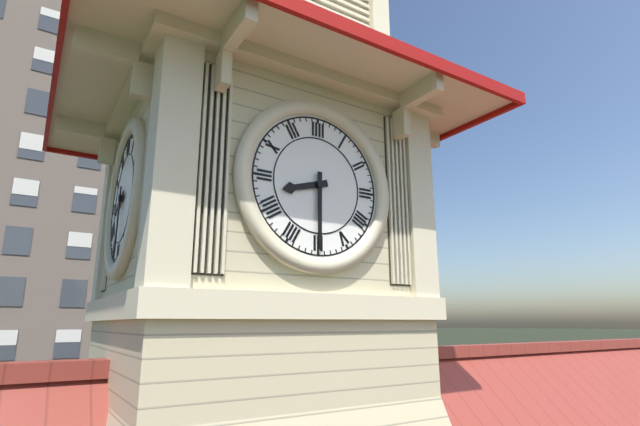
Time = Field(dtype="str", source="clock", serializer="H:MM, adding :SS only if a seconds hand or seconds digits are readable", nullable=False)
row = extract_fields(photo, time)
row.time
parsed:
8:30
